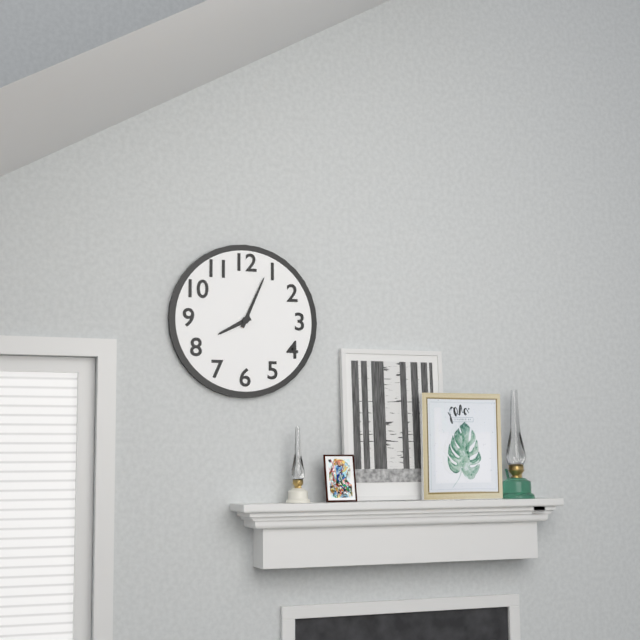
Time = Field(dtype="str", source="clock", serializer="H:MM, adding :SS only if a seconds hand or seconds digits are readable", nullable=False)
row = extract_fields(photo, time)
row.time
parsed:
8:04
